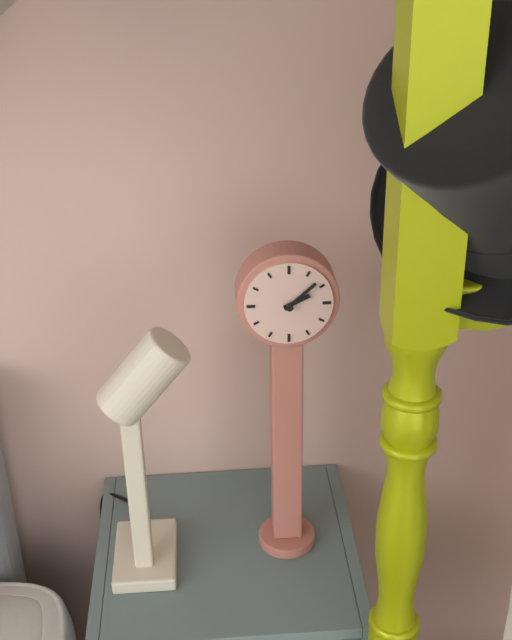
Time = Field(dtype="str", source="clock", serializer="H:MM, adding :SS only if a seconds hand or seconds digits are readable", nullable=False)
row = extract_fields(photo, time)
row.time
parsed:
2:08
